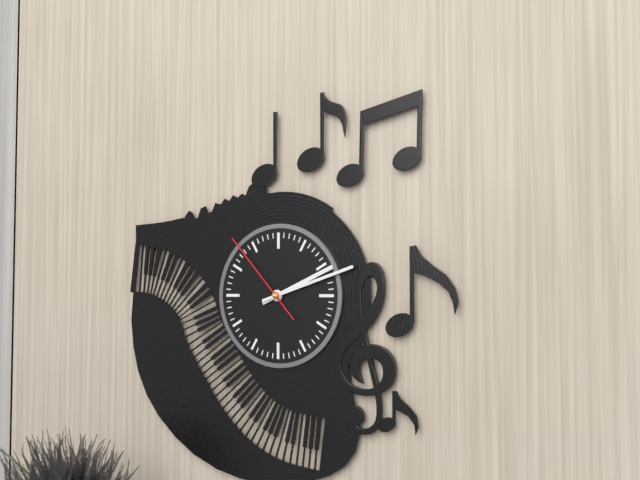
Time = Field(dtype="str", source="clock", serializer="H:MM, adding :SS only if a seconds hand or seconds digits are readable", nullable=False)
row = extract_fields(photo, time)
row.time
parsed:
2:12:53
